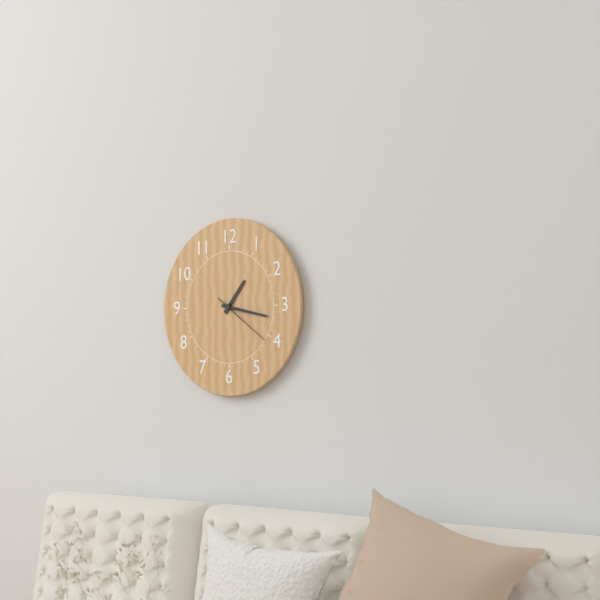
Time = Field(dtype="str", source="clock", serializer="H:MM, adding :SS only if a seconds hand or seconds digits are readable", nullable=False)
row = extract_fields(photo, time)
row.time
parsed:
1:17:21
